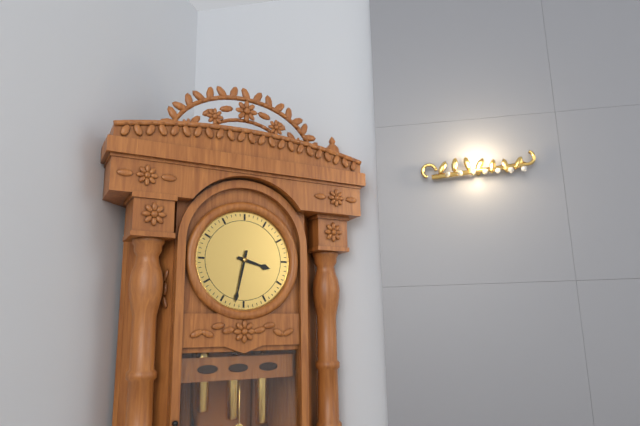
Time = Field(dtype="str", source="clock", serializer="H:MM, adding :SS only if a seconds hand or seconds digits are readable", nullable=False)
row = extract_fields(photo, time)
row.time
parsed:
3:32
